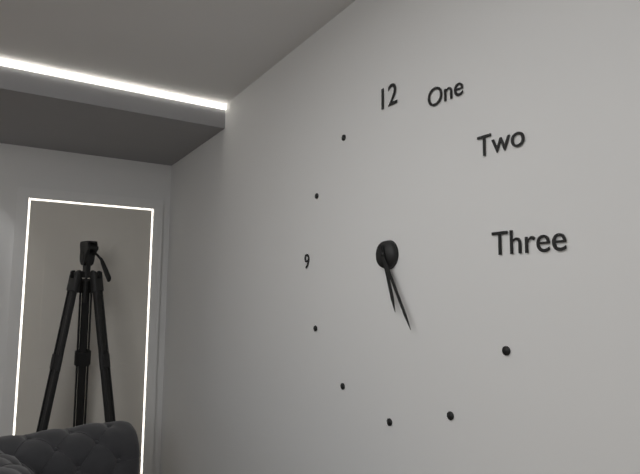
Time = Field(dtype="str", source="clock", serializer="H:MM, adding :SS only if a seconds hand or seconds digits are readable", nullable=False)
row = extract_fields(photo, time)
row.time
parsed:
5:25
